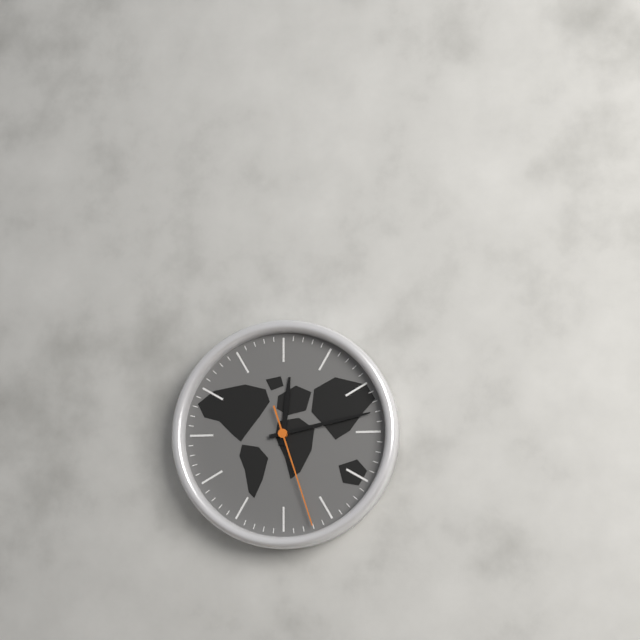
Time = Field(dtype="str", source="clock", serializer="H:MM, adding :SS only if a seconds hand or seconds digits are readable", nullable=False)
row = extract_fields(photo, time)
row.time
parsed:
12:13:27
